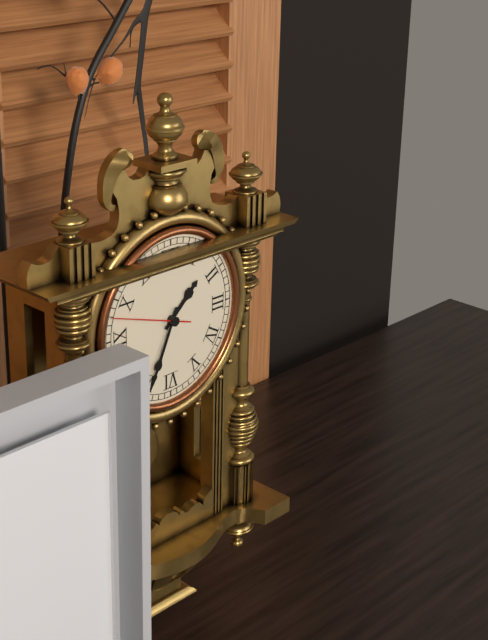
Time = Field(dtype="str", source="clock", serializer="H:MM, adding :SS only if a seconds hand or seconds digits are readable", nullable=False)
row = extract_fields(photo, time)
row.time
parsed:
1:34:48
